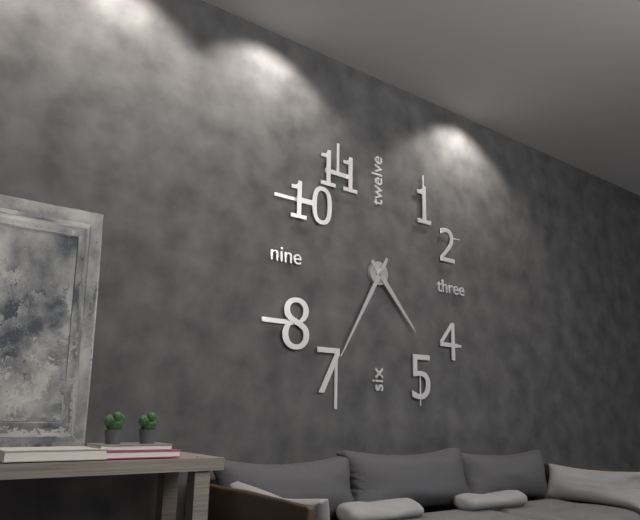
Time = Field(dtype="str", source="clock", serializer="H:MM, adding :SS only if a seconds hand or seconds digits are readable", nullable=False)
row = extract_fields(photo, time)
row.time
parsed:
4:35
